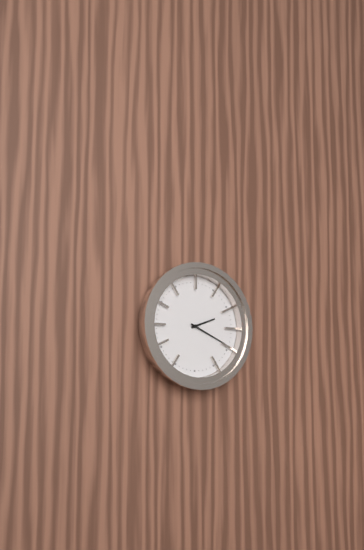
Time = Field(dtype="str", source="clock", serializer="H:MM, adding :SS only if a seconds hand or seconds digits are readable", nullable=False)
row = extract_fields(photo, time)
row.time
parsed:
2:19
